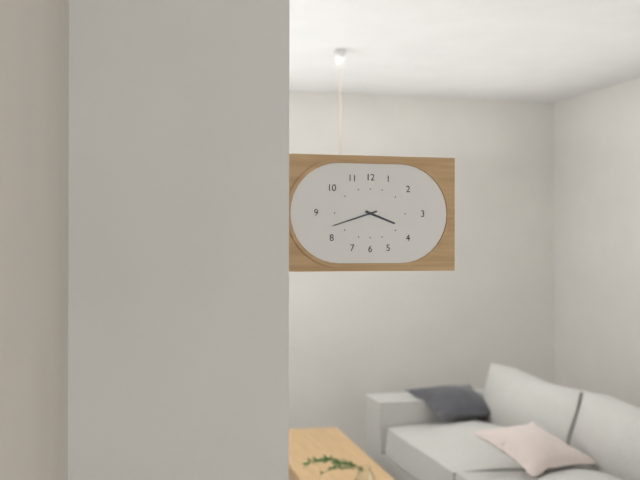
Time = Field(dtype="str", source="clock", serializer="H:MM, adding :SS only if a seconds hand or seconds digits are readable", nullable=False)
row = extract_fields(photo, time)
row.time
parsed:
3:42
